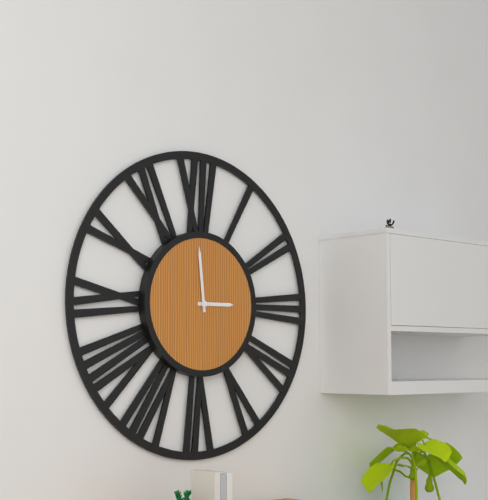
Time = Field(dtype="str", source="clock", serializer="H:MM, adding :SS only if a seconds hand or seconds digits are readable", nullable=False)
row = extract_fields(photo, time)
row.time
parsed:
2:59
